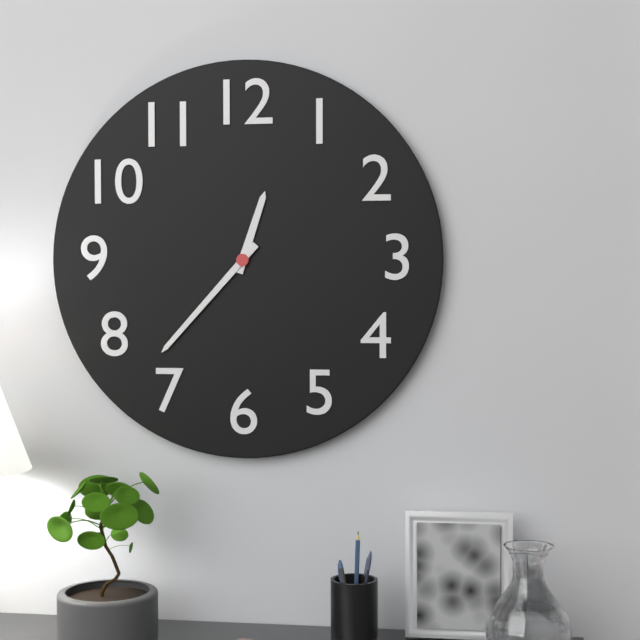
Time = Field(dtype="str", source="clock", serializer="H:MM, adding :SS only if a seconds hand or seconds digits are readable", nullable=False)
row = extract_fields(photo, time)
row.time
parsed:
12:37
